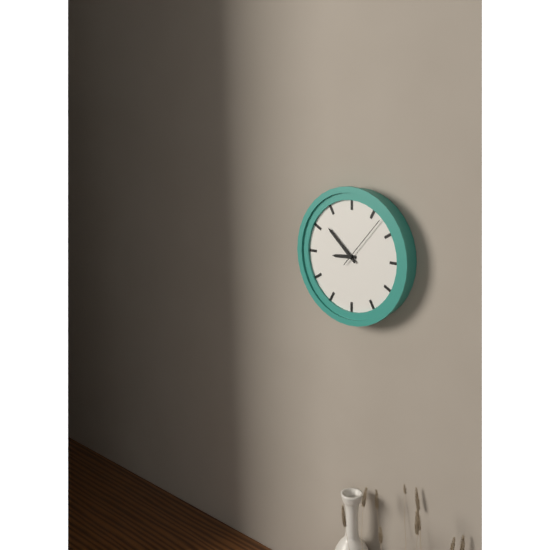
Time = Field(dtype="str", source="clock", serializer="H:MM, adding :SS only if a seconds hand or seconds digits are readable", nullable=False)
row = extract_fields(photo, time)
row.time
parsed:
8:52:07
